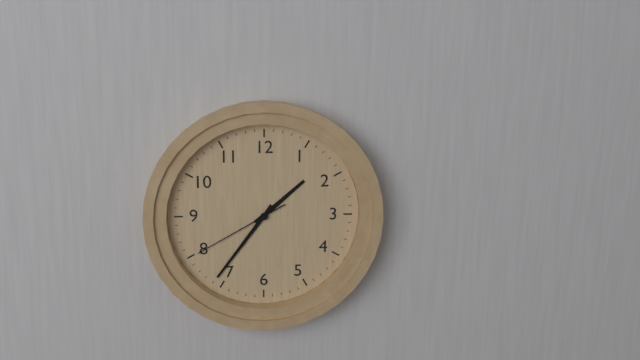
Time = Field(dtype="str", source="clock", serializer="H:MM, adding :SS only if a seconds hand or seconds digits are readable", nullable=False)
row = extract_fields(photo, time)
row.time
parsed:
1:36:40
